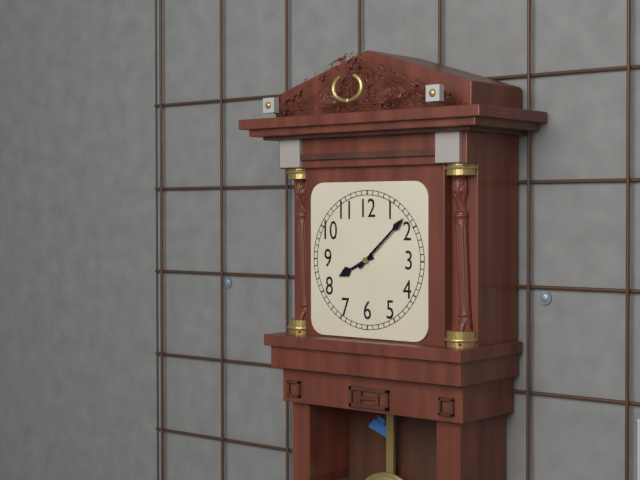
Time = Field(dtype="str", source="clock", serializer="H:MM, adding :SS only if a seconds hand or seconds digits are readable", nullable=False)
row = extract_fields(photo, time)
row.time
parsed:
8:08
